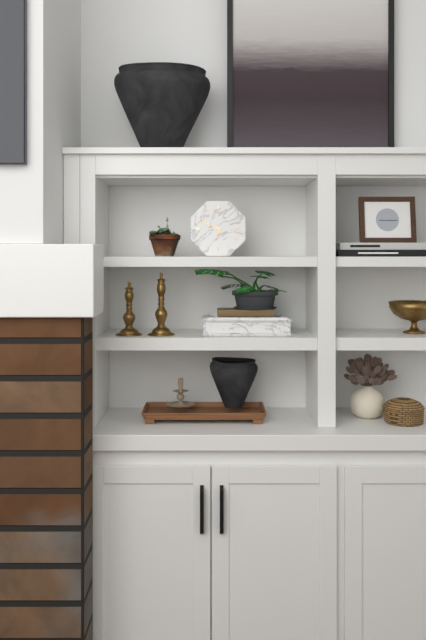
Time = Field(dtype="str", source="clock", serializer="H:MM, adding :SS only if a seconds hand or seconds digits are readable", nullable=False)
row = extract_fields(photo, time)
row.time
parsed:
5:49
